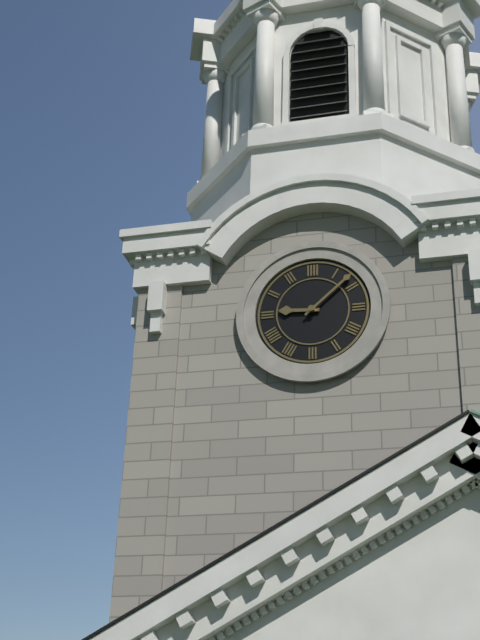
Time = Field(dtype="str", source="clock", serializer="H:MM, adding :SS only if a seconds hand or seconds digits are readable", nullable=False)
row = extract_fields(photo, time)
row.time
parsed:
9:08
